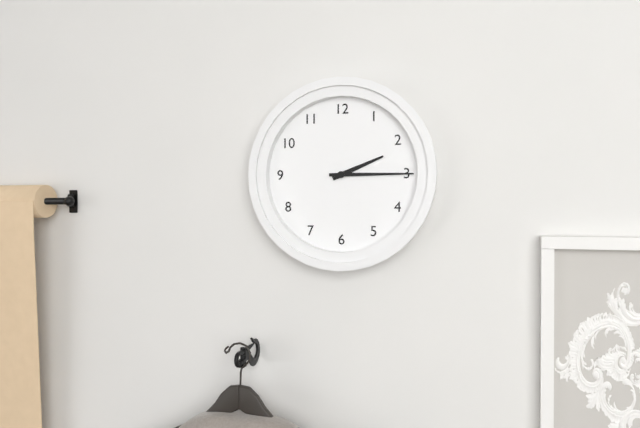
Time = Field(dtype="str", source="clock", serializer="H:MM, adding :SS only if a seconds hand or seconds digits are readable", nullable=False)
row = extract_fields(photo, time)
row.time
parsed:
2:15
